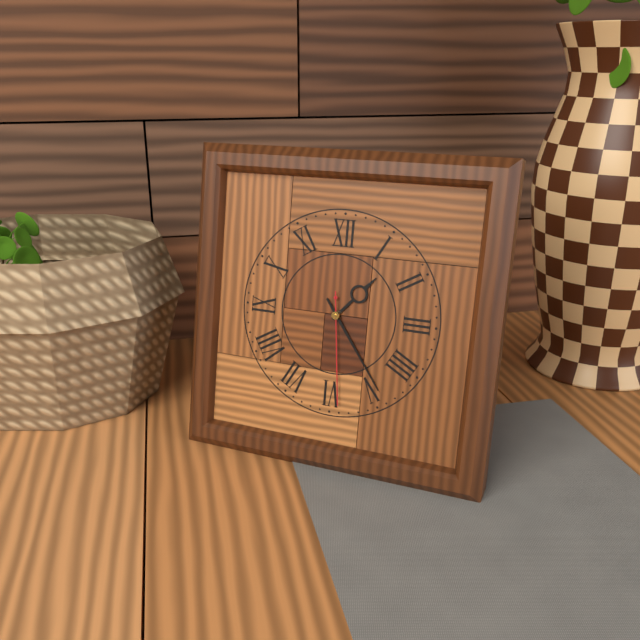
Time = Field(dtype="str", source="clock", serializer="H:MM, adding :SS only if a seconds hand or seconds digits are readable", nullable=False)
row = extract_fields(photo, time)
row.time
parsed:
1:24:29
